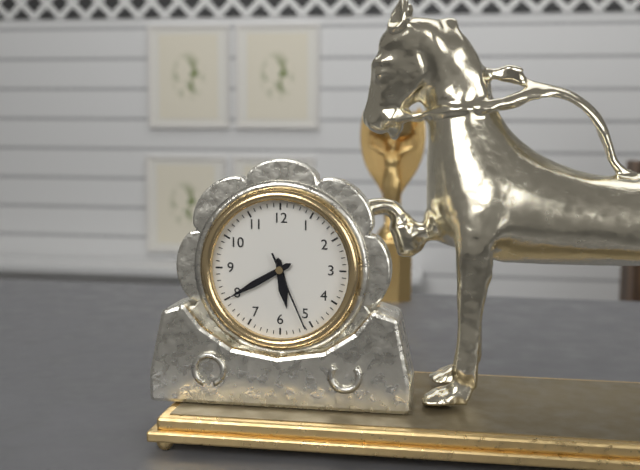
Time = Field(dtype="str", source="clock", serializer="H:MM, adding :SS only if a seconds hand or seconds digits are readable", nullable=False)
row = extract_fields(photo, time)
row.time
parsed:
5:40:26
